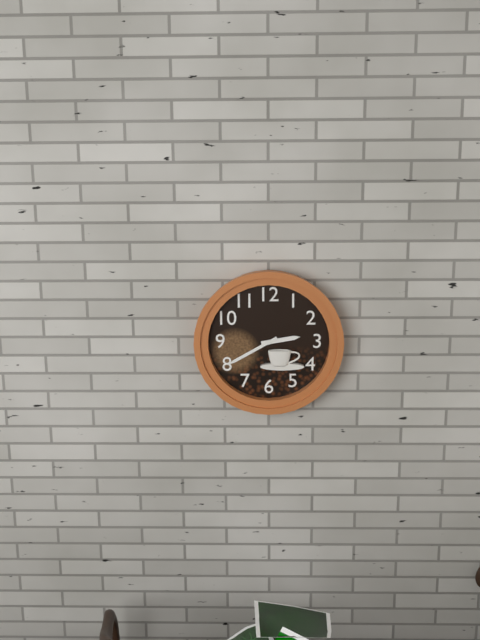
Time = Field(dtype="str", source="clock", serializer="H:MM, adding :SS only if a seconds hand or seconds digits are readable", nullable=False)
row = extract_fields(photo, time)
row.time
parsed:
2:40
